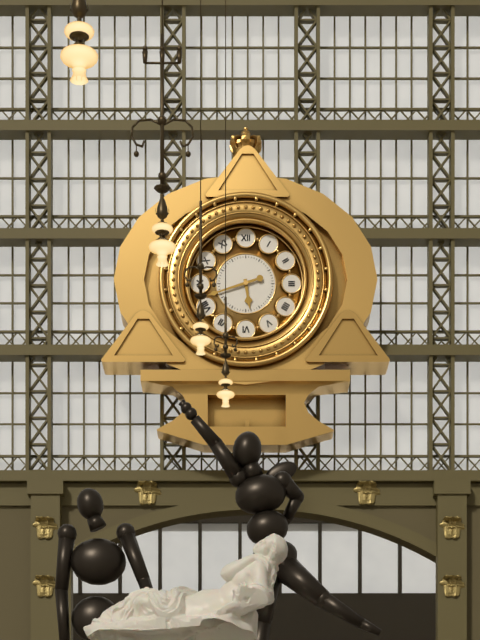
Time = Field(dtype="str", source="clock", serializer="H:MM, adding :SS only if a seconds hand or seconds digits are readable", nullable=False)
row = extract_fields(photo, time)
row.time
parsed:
5:42
